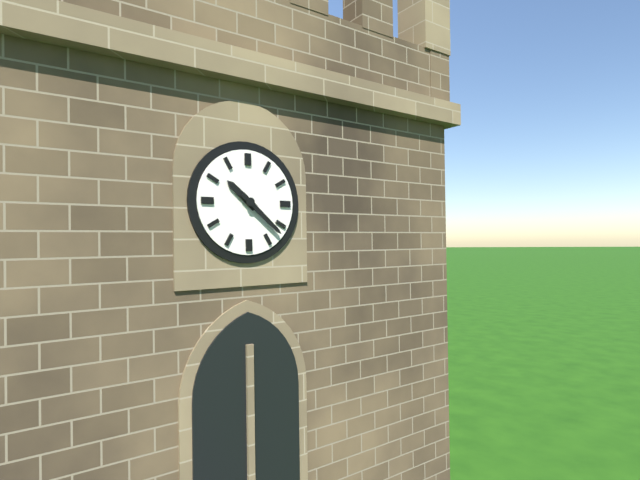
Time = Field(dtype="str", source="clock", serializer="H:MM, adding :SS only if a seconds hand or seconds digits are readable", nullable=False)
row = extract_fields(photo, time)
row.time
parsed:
10:22
